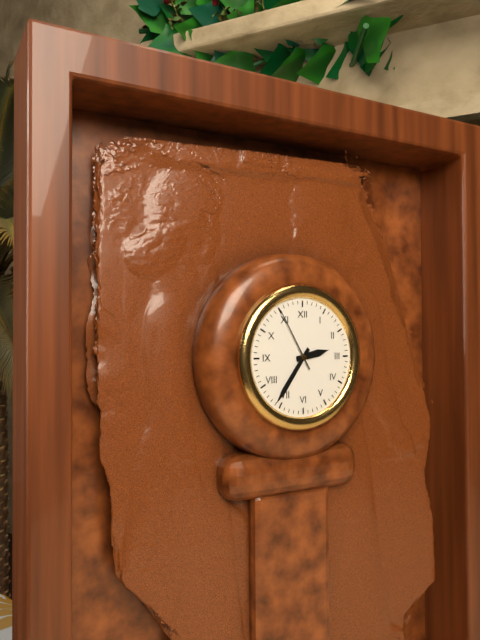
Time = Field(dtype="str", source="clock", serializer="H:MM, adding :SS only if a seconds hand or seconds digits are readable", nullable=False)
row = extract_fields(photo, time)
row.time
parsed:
2:36:55
